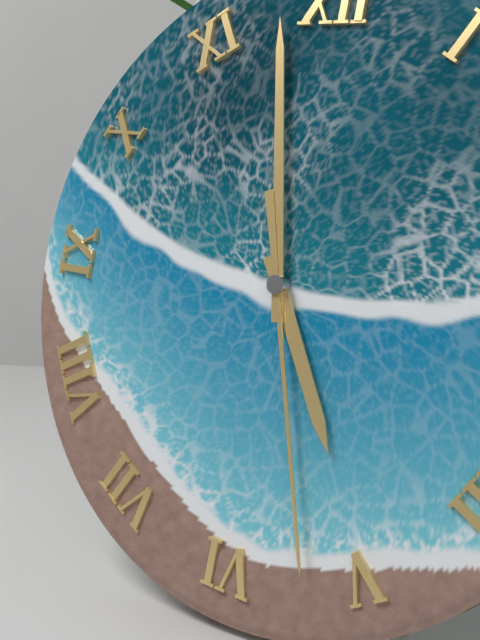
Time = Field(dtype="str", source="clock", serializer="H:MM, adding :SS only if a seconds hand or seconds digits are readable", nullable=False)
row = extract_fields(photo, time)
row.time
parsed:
4:58:27
